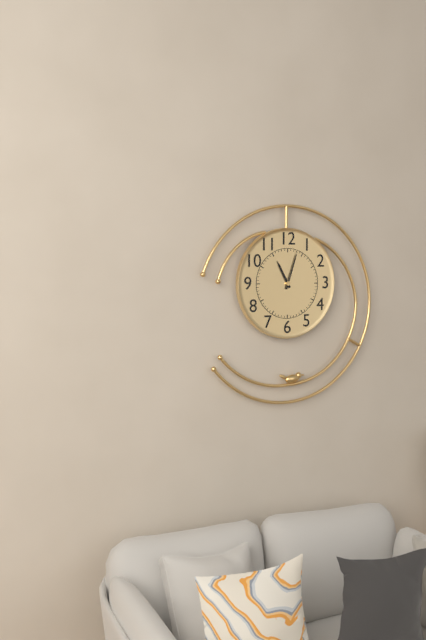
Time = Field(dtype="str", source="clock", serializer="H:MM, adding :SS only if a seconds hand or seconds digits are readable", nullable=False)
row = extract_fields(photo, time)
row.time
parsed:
11:03
